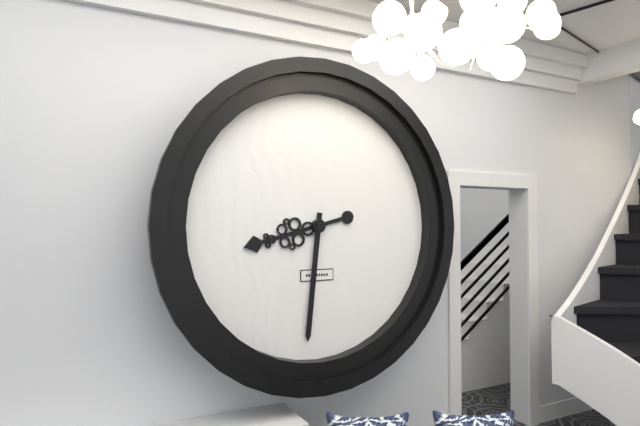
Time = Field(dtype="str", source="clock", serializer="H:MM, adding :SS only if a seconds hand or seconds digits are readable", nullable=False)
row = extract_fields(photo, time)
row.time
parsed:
8:31
